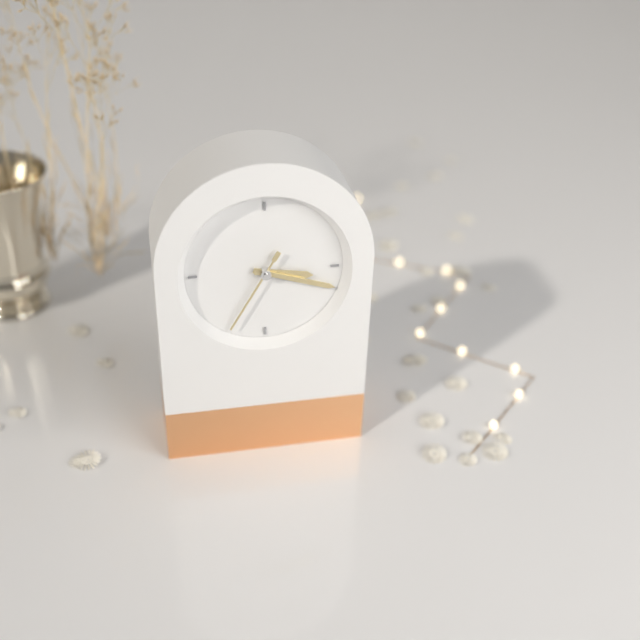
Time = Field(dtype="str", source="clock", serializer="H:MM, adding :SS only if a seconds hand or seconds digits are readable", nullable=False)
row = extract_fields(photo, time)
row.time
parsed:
3:18:35
